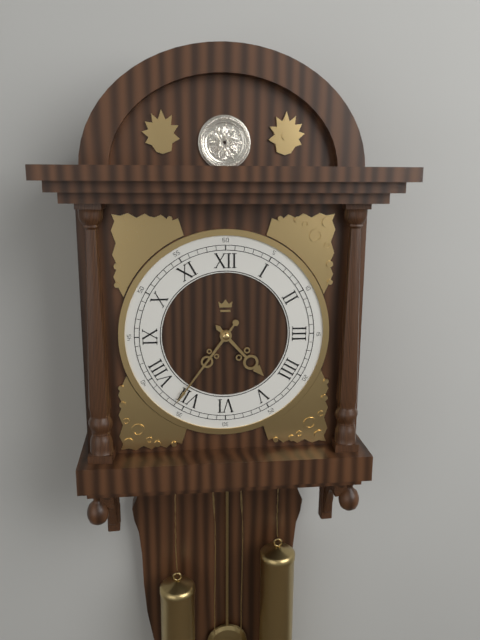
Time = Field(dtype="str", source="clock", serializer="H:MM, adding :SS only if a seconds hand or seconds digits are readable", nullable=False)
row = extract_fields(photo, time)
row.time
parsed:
4:36
